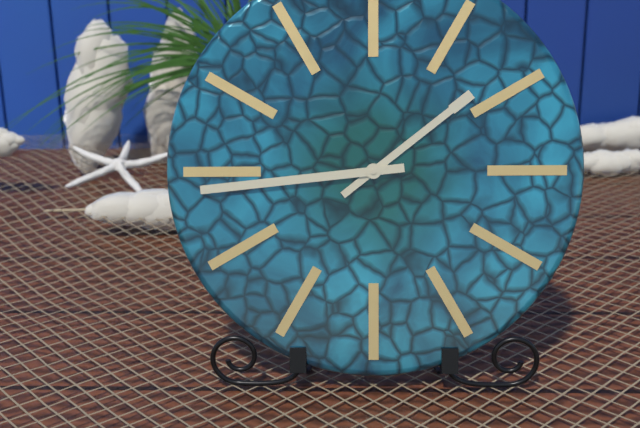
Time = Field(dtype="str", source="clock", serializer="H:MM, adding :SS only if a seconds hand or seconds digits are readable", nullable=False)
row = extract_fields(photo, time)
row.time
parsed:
1:44
